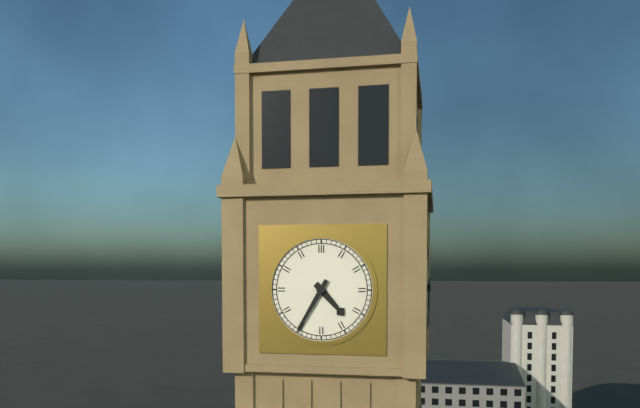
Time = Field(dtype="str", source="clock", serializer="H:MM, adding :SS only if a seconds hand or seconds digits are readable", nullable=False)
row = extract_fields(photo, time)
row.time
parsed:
4:35
